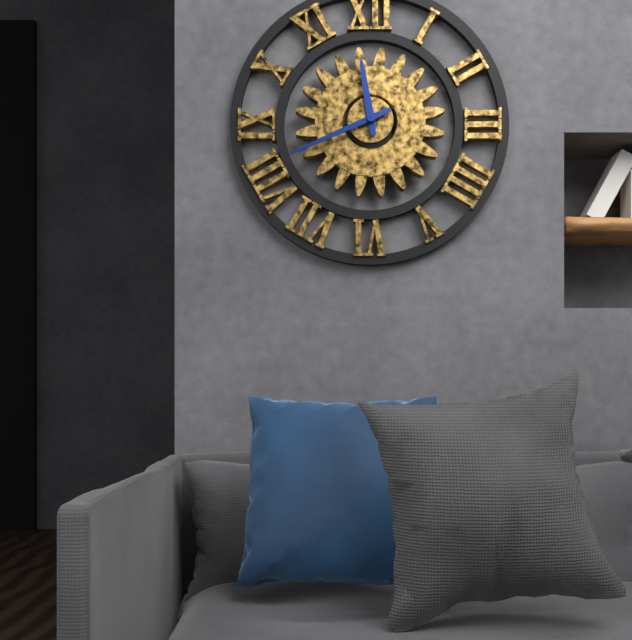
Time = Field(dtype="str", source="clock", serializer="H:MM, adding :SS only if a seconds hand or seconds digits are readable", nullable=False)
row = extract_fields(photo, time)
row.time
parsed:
11:41
